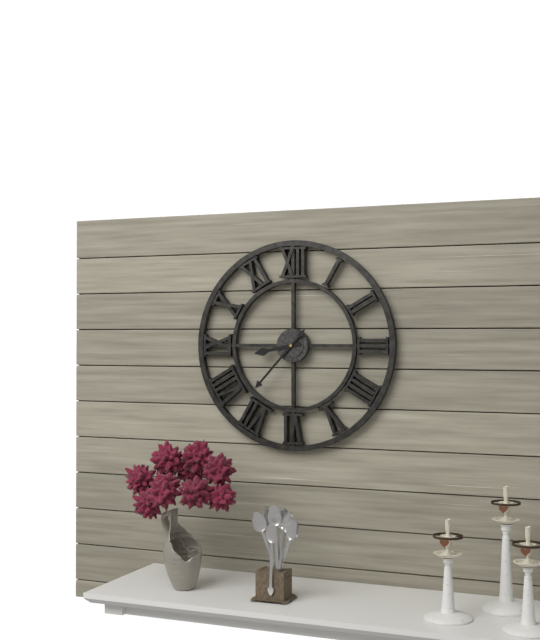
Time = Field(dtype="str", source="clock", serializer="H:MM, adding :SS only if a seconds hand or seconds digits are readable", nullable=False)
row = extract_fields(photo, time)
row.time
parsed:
8:37
